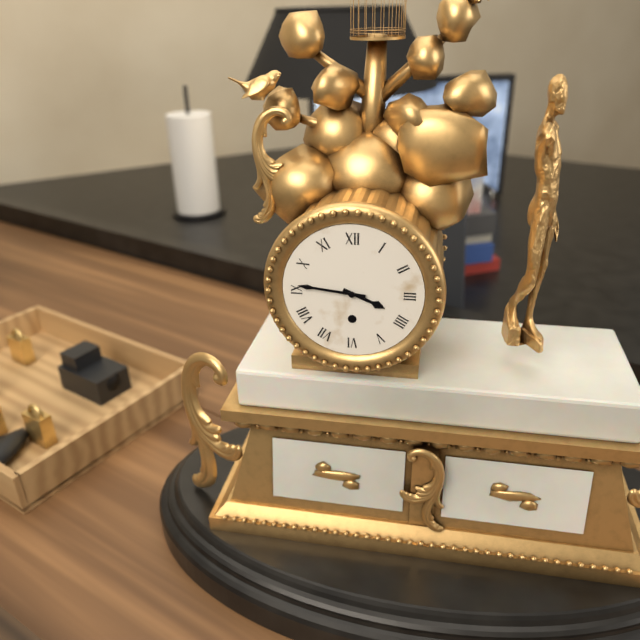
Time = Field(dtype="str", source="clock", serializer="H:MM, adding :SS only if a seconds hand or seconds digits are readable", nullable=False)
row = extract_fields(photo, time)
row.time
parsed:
3:46
